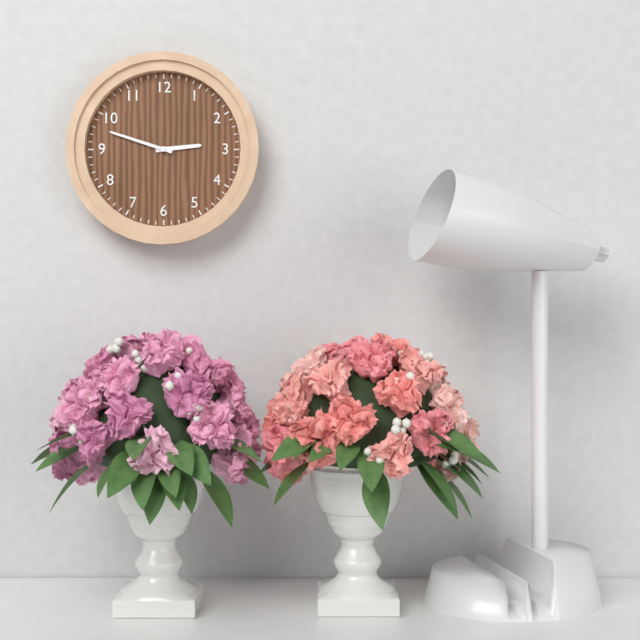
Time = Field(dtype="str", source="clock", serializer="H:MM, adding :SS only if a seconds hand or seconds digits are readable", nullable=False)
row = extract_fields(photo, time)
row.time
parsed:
2:48
